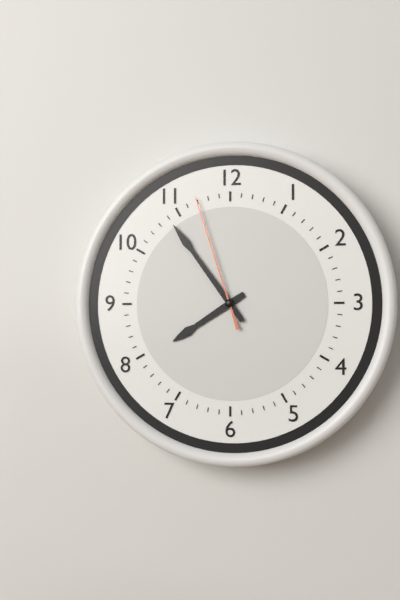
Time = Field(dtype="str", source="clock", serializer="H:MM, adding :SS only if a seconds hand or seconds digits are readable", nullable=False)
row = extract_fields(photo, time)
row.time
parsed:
7:54:57
